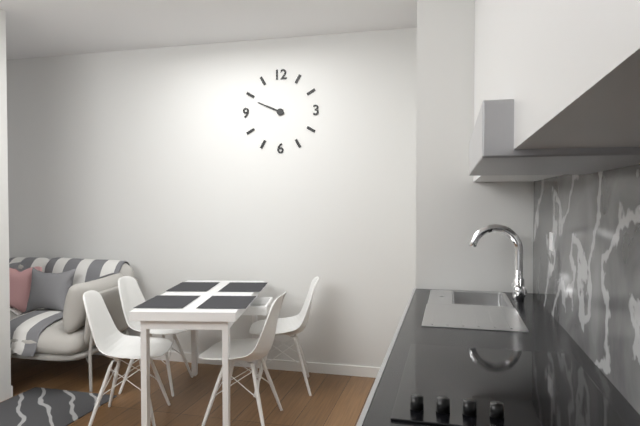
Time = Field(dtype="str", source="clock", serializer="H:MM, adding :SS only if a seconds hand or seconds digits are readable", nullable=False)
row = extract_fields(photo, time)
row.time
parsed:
9:49
